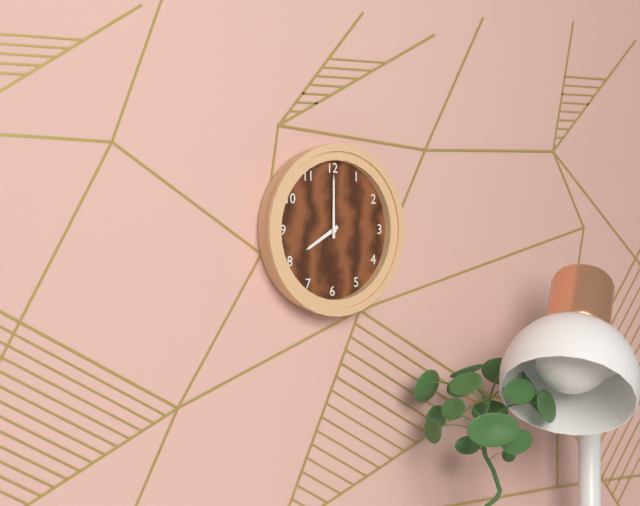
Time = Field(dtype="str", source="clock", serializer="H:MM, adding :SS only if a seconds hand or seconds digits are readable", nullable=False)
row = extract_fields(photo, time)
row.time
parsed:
8:00
